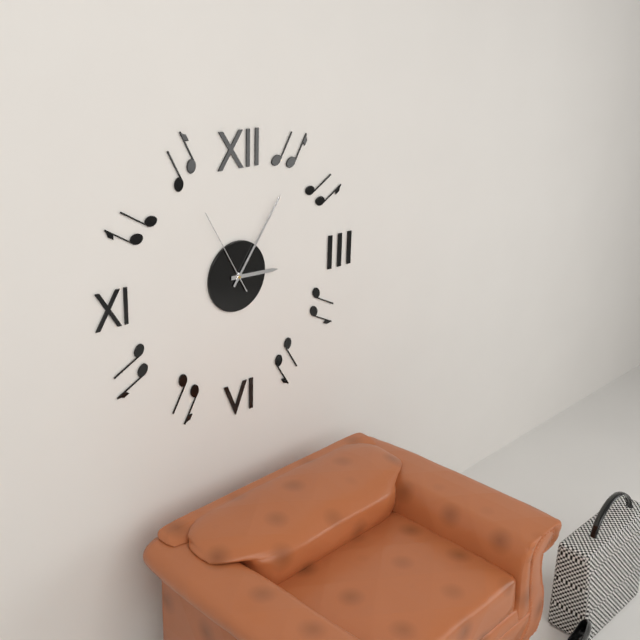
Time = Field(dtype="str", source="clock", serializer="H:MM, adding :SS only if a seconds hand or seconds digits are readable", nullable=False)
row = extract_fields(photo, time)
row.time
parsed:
3:06:55
